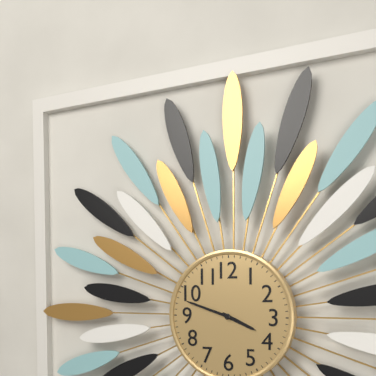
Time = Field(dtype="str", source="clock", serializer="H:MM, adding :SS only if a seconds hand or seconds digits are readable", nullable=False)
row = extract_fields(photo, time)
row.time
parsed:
3:48
